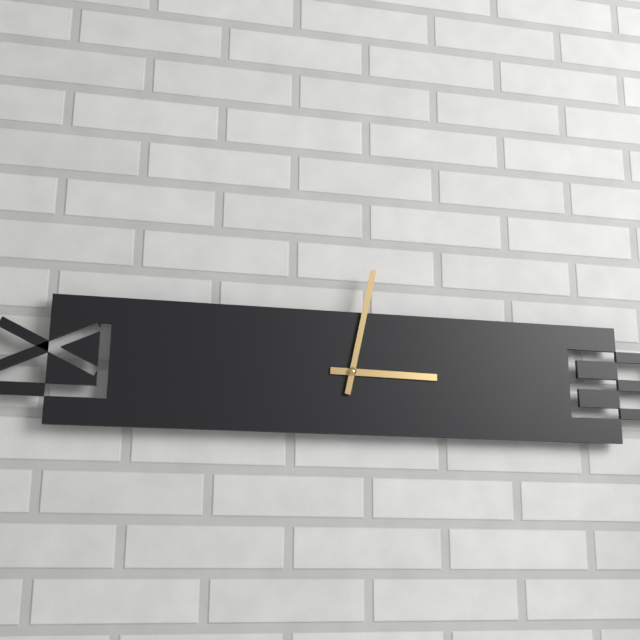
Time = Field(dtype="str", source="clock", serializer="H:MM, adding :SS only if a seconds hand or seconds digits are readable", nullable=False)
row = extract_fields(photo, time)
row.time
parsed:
3:02
